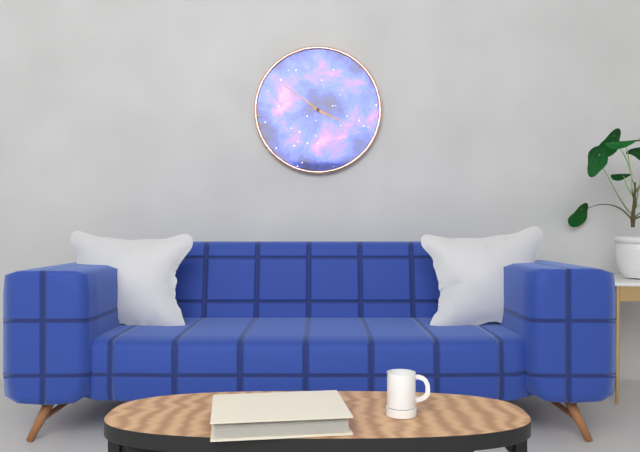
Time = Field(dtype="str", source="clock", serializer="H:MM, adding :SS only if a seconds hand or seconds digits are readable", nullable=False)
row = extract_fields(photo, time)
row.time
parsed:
3:51
